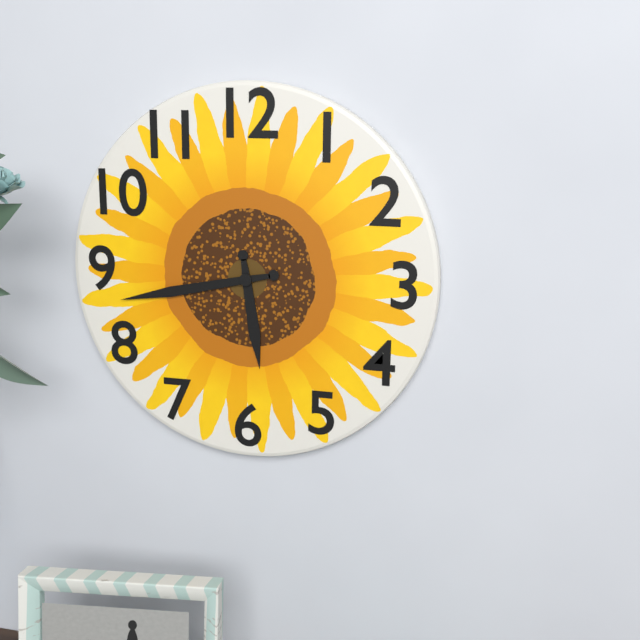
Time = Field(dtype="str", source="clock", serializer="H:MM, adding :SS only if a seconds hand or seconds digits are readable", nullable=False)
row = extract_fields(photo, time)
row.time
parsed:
5:43
